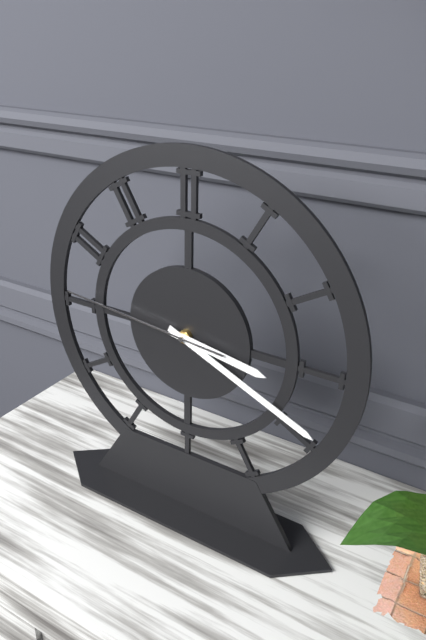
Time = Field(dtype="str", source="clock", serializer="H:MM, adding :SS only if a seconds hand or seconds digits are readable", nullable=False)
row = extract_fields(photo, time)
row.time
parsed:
3:19:46
